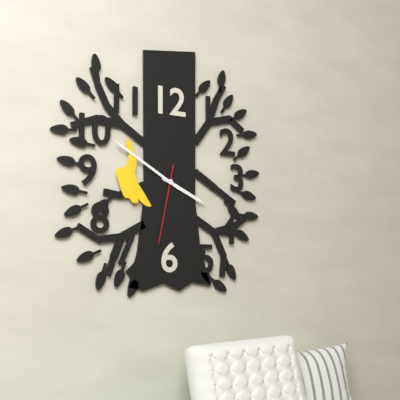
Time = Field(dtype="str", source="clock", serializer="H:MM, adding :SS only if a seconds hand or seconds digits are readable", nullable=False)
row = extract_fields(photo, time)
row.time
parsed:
3:50:32
